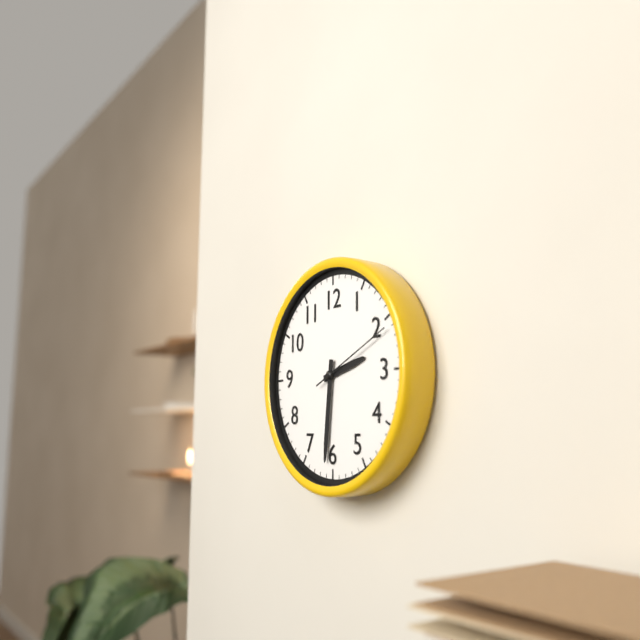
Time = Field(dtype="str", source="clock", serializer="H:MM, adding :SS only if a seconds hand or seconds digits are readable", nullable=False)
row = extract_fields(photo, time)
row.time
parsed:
2:31:11
